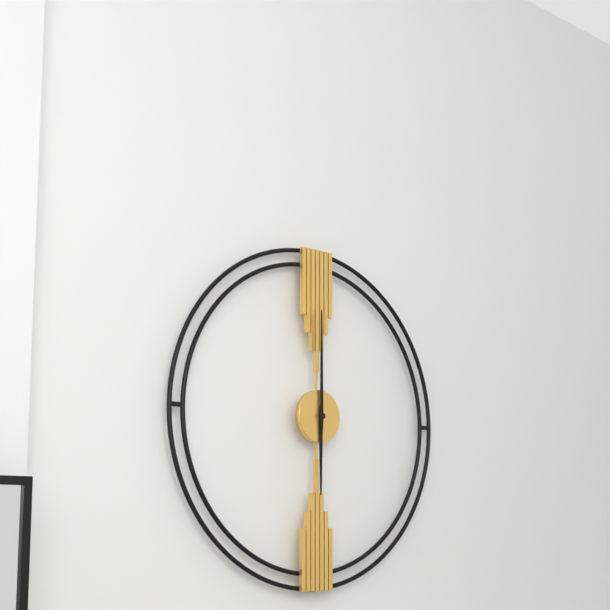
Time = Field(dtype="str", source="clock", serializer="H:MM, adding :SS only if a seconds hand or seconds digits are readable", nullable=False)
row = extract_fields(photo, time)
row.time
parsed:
6:00
